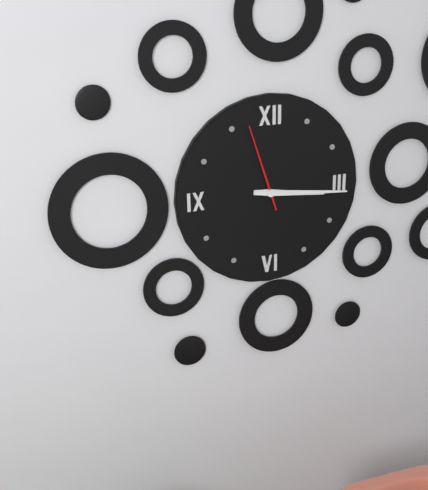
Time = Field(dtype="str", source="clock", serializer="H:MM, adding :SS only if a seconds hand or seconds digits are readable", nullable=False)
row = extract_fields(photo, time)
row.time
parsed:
3:16:57
